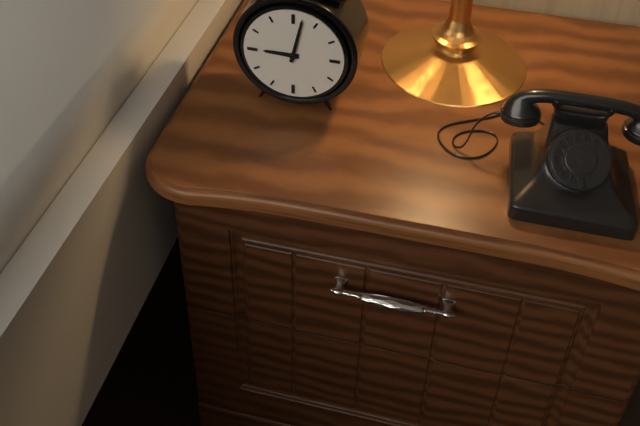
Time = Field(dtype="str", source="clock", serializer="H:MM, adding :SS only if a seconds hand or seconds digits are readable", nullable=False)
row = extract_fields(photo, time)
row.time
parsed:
9:02
